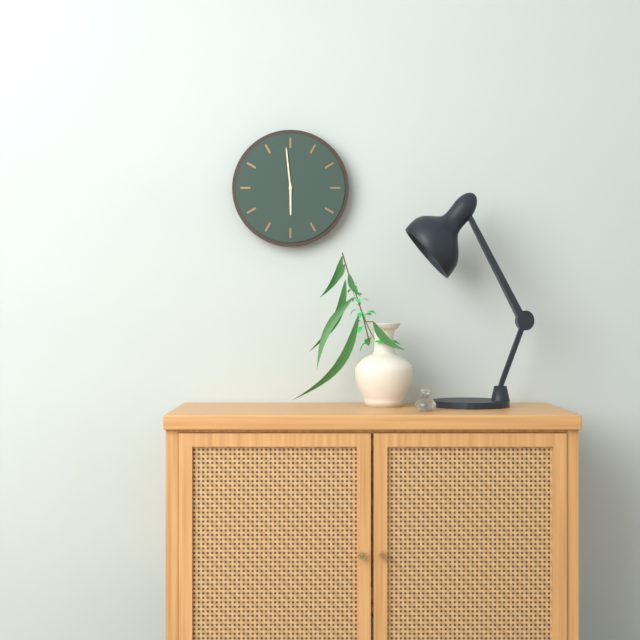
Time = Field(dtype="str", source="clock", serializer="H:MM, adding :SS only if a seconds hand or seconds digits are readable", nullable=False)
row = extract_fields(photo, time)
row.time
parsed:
5:59
